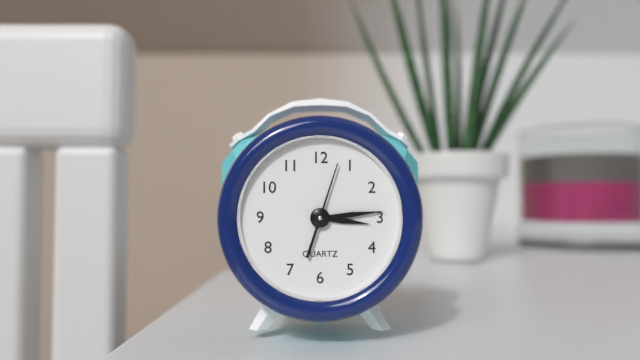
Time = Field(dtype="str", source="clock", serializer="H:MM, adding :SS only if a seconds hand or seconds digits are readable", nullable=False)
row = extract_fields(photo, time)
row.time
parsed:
3:14:03
